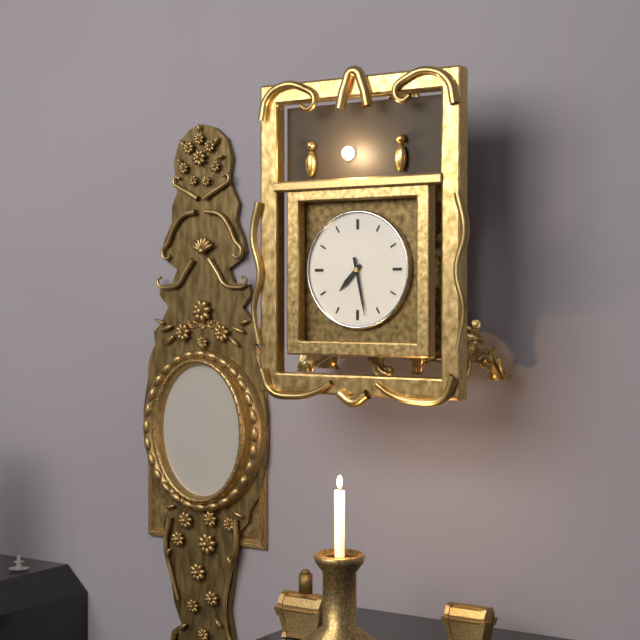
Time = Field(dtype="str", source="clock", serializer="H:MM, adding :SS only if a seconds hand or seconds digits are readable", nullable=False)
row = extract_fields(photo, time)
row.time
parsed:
7:28
